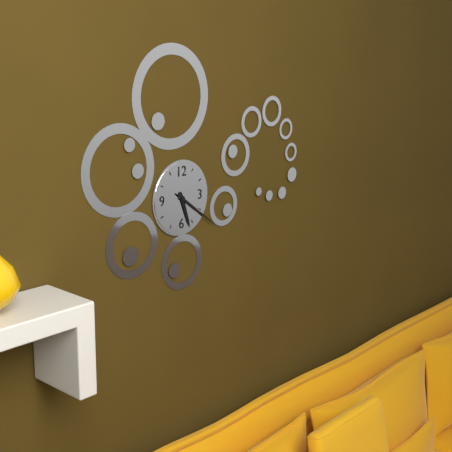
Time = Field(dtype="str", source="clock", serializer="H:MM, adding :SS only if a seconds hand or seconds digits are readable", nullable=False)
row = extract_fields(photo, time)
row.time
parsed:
5:21
